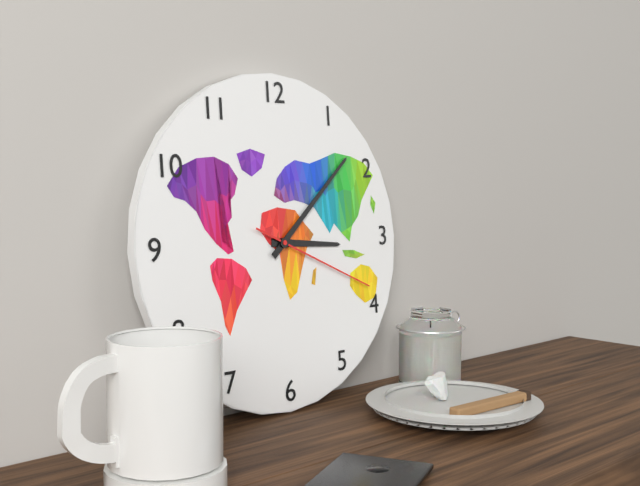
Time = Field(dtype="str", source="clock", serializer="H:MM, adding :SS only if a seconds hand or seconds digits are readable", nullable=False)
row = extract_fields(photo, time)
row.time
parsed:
3:08:19
